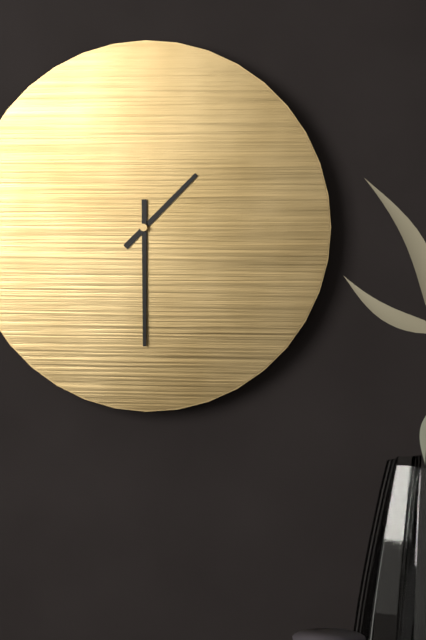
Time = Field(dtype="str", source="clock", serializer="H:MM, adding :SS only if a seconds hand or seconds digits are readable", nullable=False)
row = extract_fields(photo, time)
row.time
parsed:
1:30
